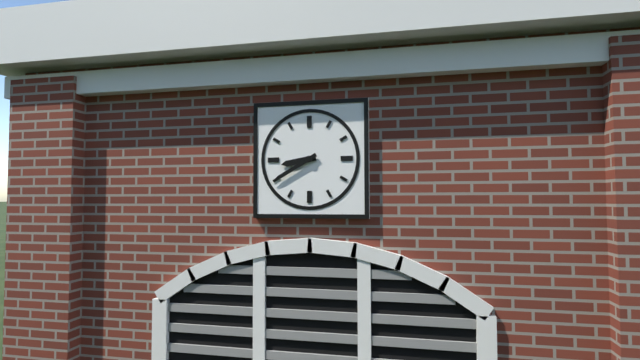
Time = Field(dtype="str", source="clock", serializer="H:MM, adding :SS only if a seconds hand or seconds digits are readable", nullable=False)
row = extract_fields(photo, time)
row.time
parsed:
8:40
